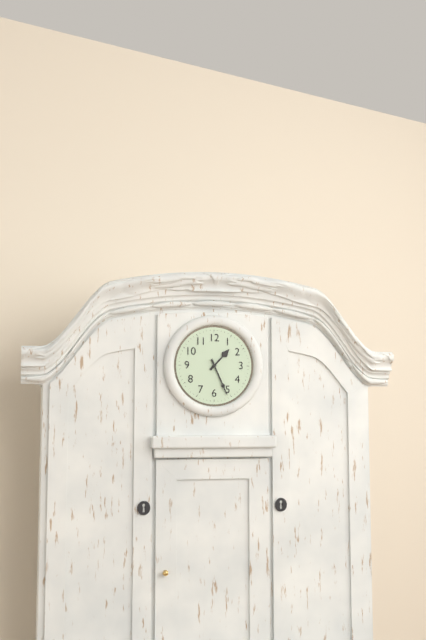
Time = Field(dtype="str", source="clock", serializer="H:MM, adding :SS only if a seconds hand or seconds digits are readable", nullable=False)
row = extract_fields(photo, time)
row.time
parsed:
1:26
